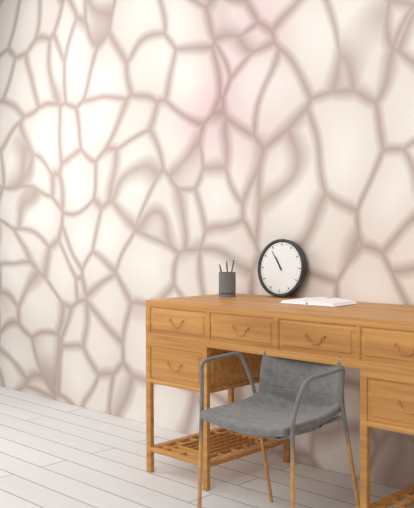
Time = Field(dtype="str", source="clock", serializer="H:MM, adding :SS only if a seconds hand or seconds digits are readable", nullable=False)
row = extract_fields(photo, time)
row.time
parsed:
10:54
